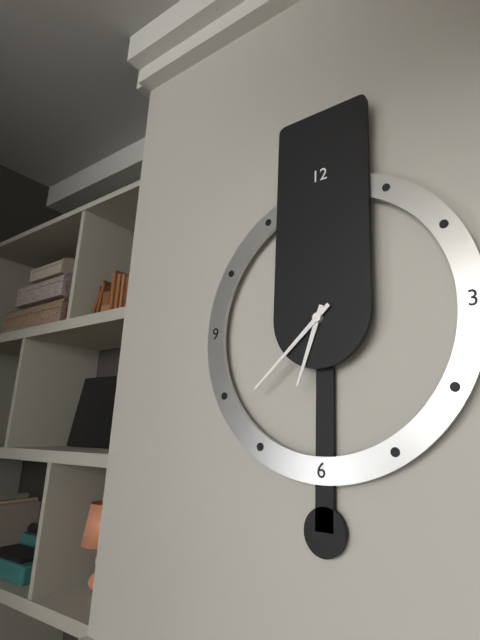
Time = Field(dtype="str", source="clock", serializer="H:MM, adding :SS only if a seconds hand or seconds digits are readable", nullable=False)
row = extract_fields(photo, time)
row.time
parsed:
6:38
